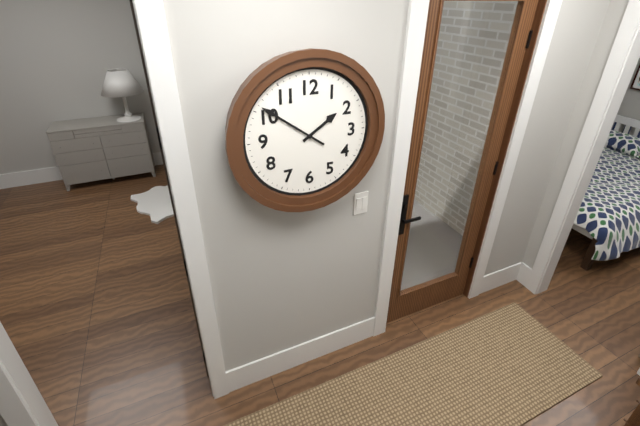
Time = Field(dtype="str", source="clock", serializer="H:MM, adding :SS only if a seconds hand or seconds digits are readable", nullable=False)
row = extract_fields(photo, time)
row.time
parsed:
1:51
